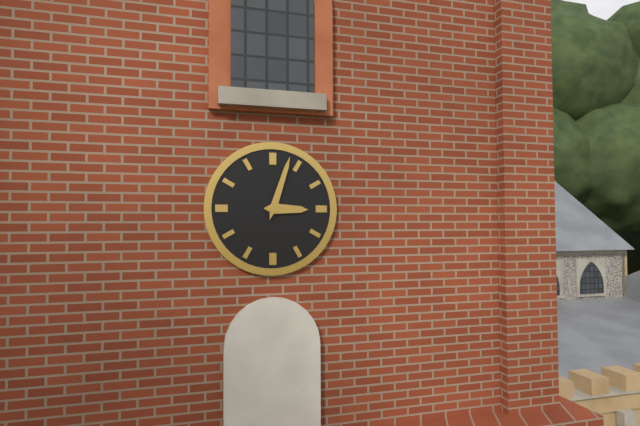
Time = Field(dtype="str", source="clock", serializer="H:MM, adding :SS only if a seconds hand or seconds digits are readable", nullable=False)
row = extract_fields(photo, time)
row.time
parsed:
3:03
